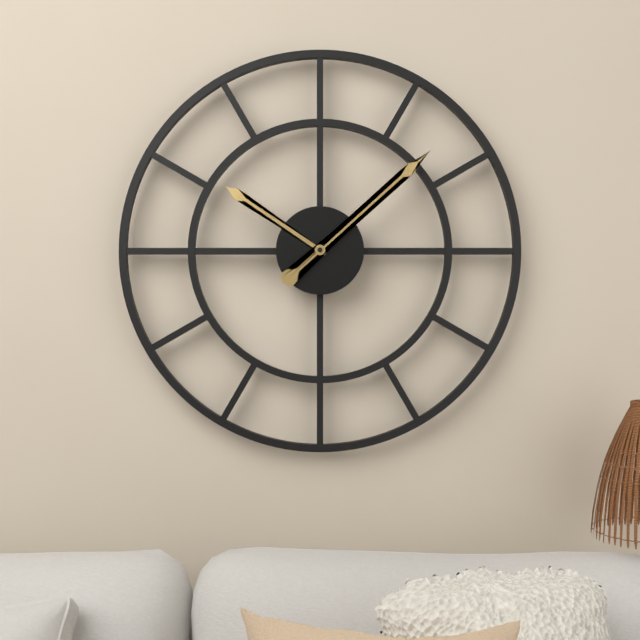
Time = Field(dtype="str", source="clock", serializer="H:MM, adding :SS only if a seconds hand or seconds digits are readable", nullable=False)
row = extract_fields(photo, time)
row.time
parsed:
10:08
